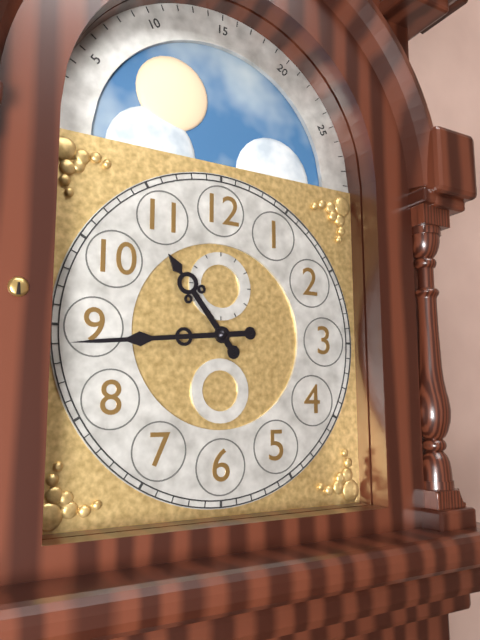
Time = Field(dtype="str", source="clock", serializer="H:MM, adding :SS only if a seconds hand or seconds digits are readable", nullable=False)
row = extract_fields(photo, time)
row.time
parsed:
10:44
